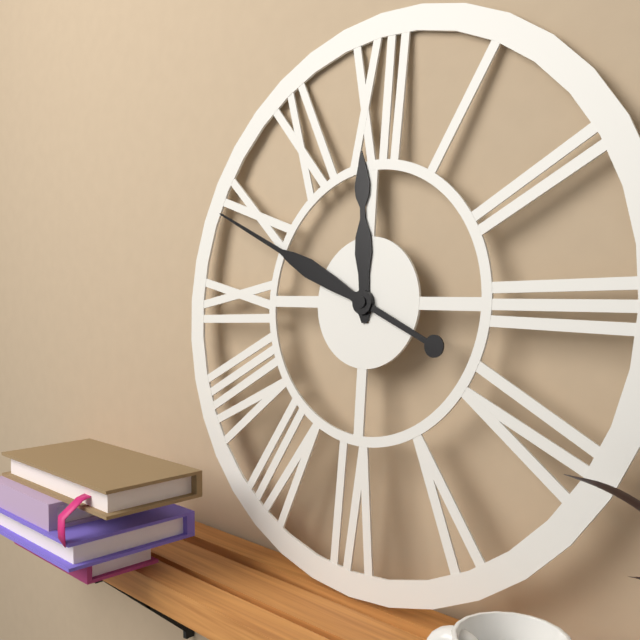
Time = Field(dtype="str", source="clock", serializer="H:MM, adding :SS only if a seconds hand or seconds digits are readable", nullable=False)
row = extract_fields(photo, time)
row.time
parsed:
11:49
